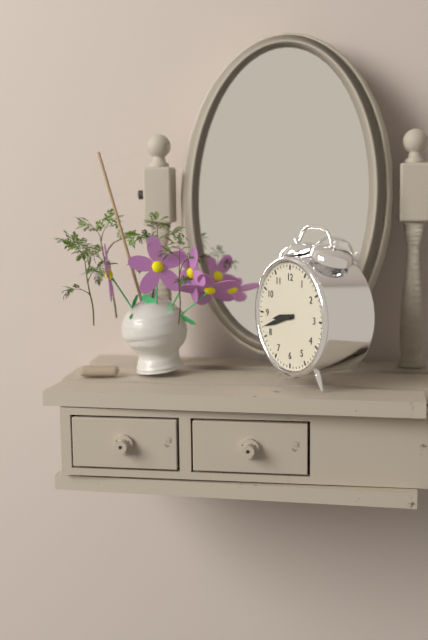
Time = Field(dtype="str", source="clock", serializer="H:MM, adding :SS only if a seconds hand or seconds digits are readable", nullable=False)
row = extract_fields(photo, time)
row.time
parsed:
8:42
